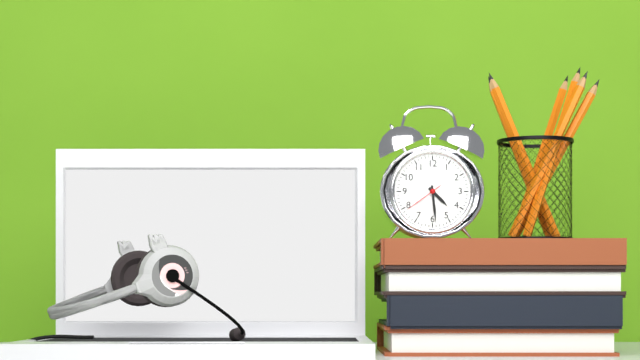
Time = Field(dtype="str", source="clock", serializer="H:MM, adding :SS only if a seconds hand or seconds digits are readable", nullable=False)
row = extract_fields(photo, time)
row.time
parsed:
4:29
